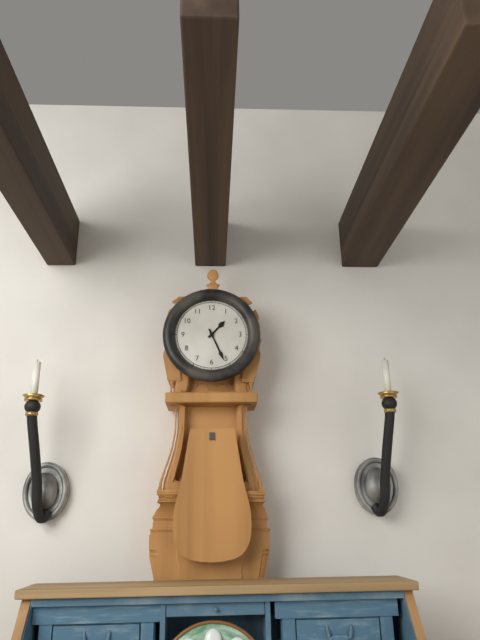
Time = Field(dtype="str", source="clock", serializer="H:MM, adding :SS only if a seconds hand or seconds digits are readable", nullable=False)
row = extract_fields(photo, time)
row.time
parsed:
1:26
